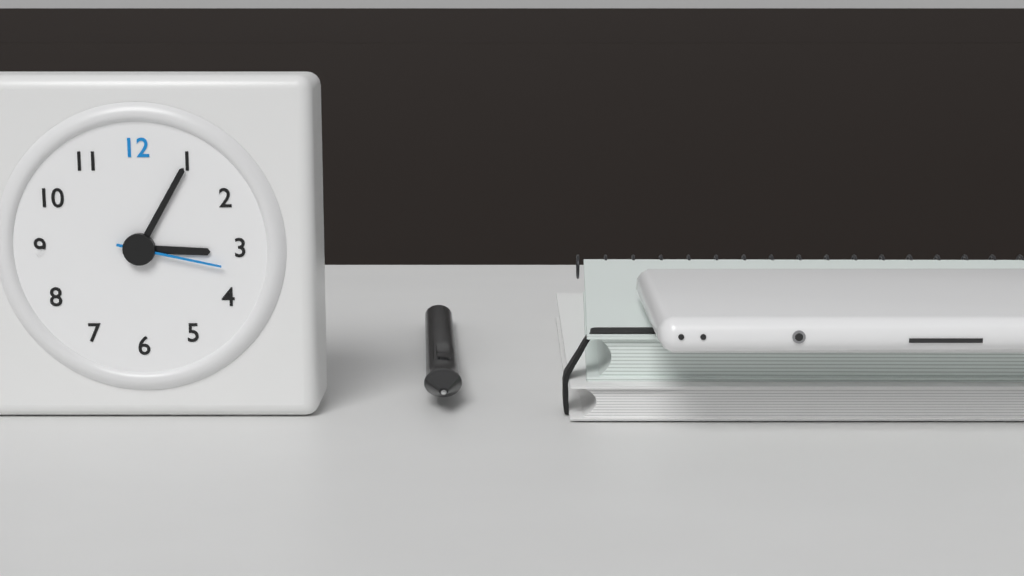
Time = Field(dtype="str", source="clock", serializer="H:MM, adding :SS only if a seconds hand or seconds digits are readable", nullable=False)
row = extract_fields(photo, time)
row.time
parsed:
3:05:17
